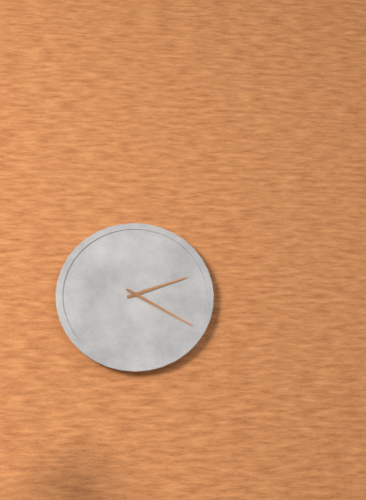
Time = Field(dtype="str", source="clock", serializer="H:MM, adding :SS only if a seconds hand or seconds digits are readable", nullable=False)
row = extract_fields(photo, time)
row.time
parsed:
2:20
